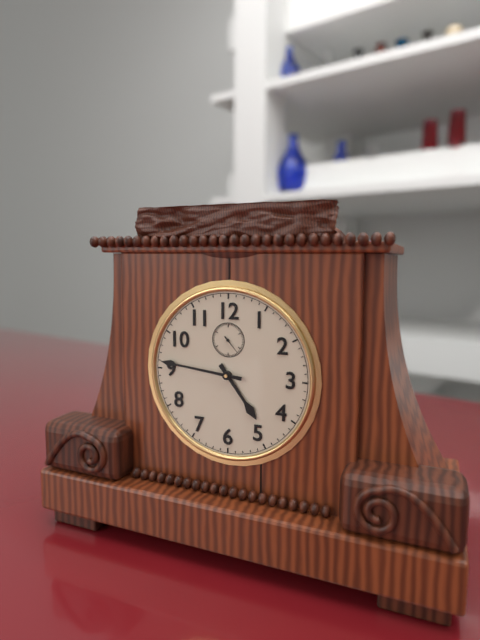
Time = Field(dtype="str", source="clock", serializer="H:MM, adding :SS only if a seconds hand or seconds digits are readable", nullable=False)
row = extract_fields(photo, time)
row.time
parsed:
4:46
